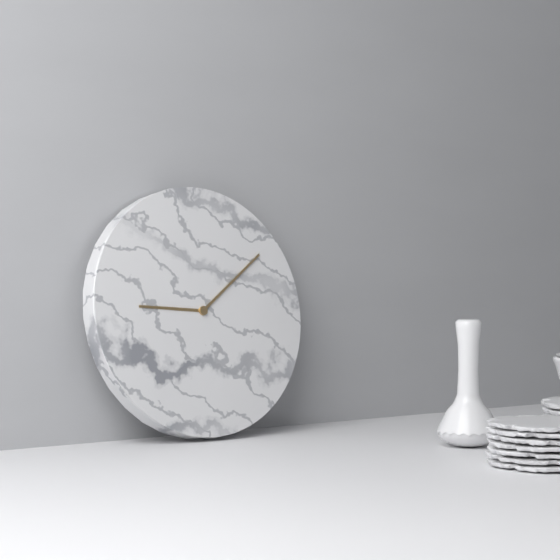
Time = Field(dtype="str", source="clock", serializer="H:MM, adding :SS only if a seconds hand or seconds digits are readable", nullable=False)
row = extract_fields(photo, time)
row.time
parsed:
9:09
